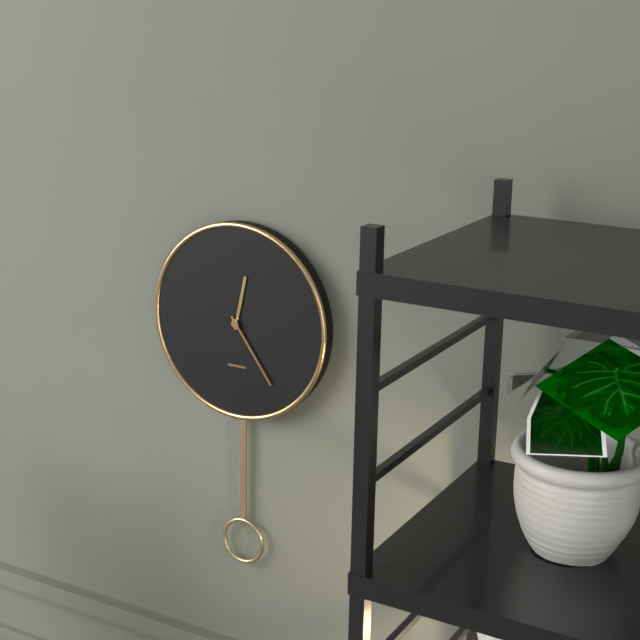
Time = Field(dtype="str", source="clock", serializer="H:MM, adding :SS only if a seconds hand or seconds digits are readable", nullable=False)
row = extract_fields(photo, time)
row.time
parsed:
12:24
